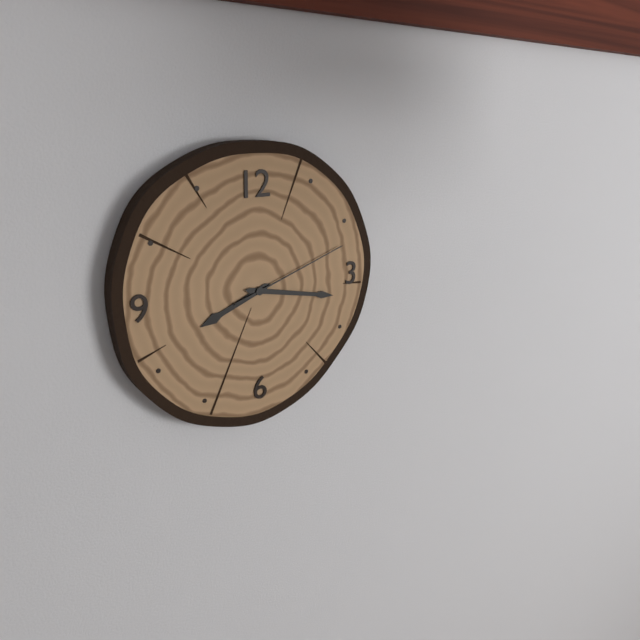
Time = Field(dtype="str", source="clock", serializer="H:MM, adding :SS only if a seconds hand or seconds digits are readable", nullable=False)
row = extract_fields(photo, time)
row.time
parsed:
8:17:12
